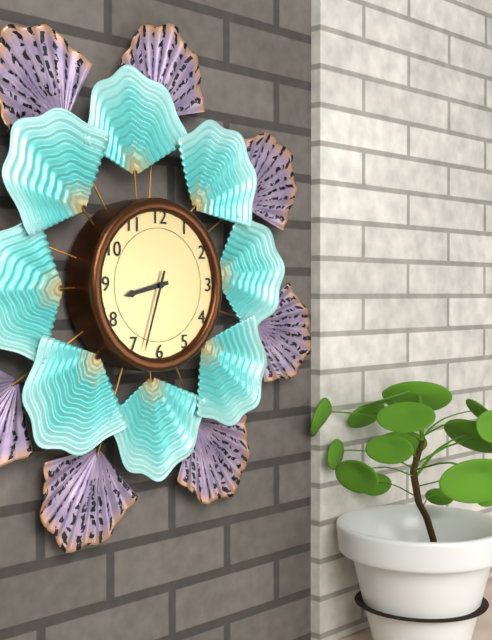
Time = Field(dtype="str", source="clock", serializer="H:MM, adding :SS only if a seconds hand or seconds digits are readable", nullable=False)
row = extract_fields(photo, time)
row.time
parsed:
8:33
